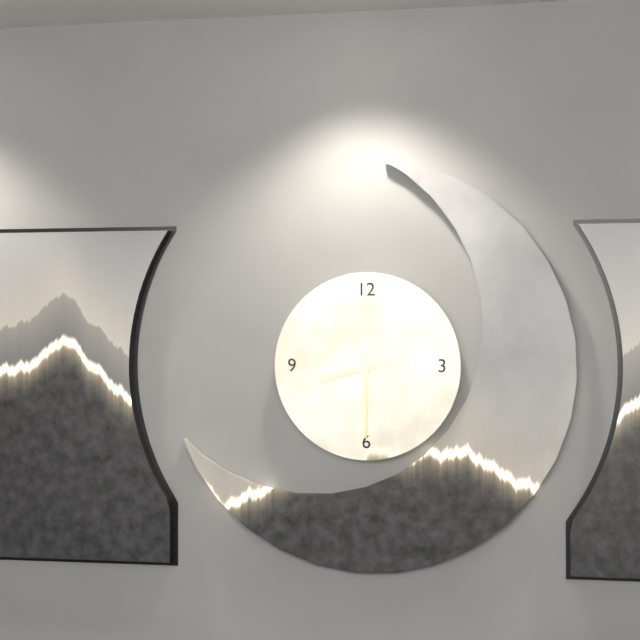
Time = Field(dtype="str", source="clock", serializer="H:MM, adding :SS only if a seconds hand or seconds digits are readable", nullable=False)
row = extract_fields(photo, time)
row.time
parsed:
8:30
